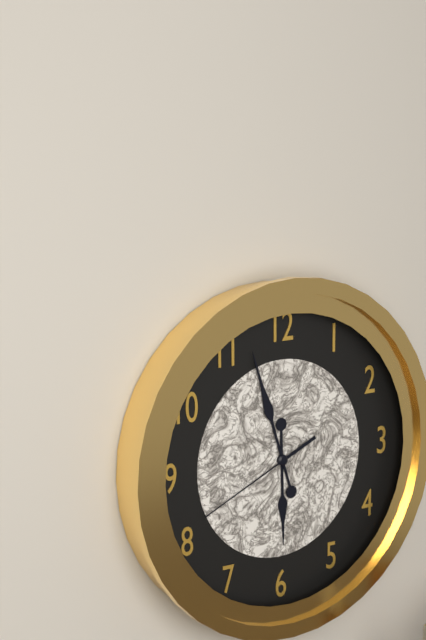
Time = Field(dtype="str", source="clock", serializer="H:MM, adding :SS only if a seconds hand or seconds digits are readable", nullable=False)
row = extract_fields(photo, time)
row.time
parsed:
5:57:41
